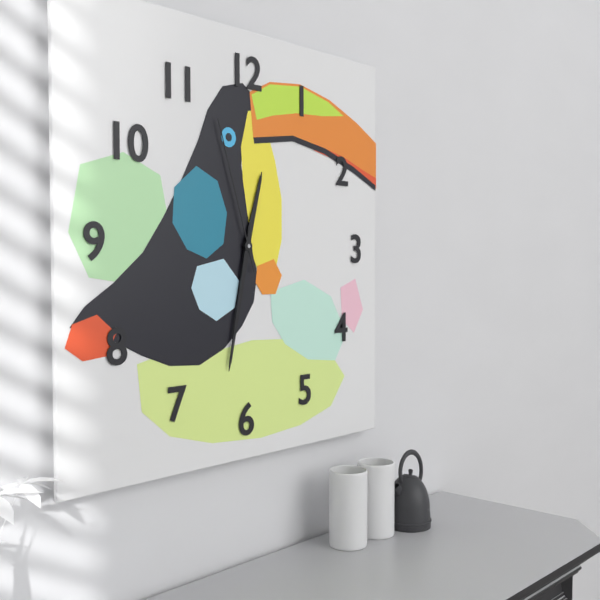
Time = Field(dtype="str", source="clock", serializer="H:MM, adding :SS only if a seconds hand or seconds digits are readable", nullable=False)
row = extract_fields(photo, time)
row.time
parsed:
12:32:57
